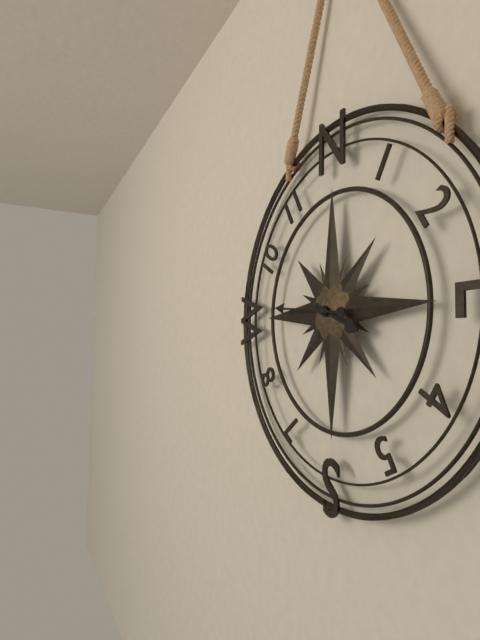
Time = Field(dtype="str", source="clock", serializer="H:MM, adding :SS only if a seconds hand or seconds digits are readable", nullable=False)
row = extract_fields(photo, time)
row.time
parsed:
3:46
